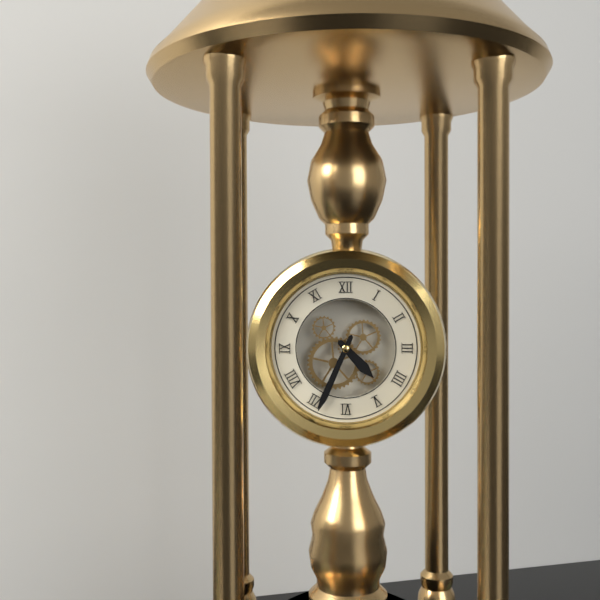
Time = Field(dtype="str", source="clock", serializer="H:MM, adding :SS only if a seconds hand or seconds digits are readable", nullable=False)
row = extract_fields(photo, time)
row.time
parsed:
4:34
